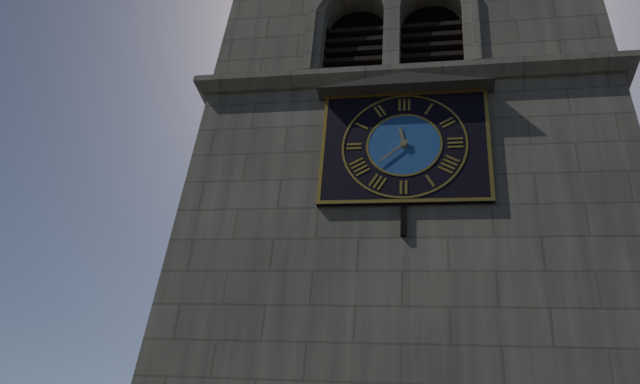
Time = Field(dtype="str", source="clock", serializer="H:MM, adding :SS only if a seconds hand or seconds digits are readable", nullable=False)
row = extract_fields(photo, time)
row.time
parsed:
11:38
